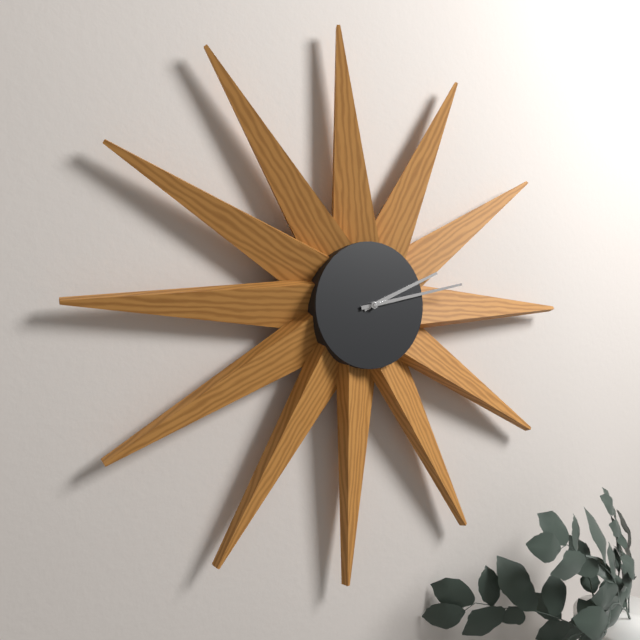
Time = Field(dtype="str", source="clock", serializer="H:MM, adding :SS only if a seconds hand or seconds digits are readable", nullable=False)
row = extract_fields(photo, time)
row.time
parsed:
2:13
